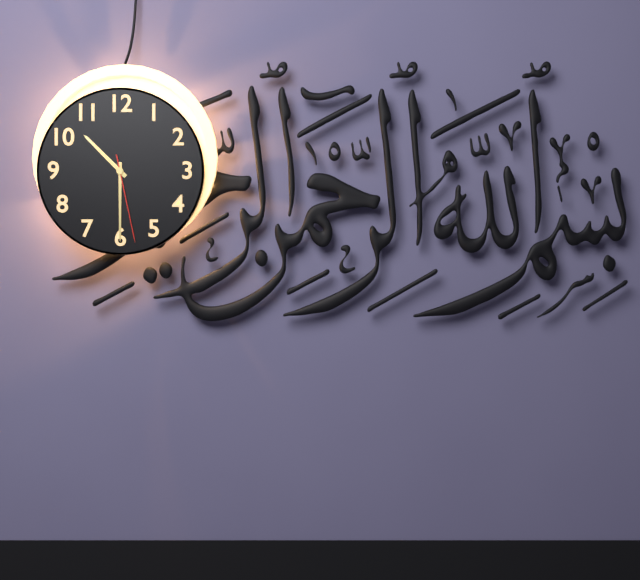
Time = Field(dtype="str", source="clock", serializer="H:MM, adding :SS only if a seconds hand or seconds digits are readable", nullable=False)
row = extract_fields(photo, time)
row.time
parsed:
10:30:28
